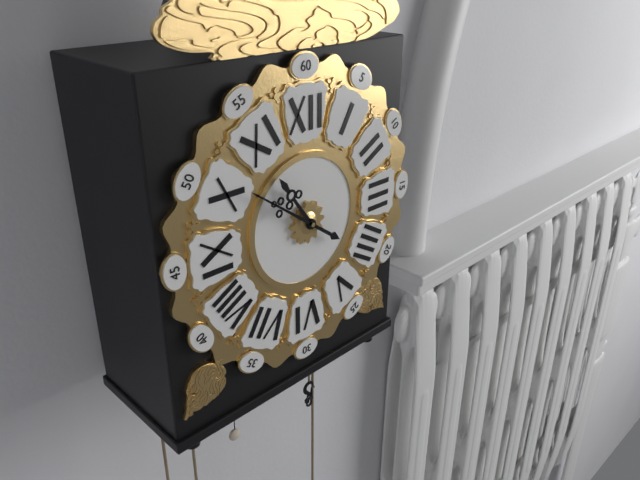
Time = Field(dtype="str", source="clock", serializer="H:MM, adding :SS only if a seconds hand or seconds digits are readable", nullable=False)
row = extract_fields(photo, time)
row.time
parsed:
10:51
